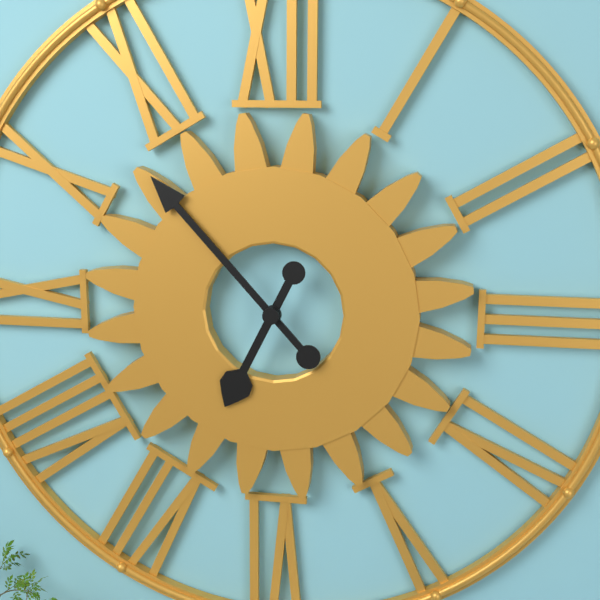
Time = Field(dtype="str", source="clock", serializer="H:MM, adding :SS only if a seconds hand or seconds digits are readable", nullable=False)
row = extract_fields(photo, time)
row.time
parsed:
6:53
